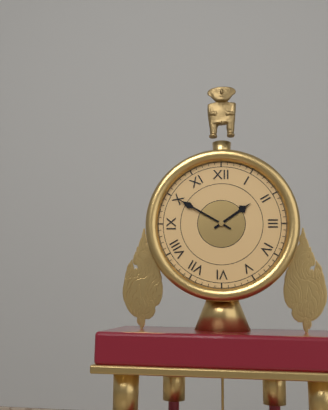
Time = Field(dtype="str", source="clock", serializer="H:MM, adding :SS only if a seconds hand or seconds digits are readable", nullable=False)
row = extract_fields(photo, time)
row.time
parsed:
1:50
